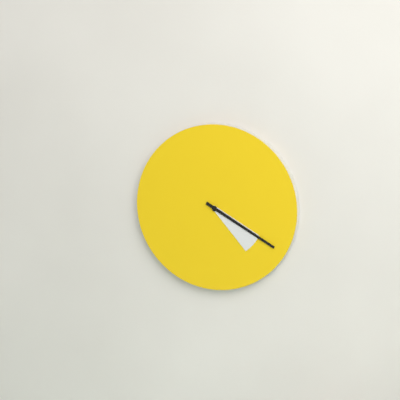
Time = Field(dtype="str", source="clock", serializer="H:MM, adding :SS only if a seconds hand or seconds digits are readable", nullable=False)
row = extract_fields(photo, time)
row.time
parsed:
4:20
